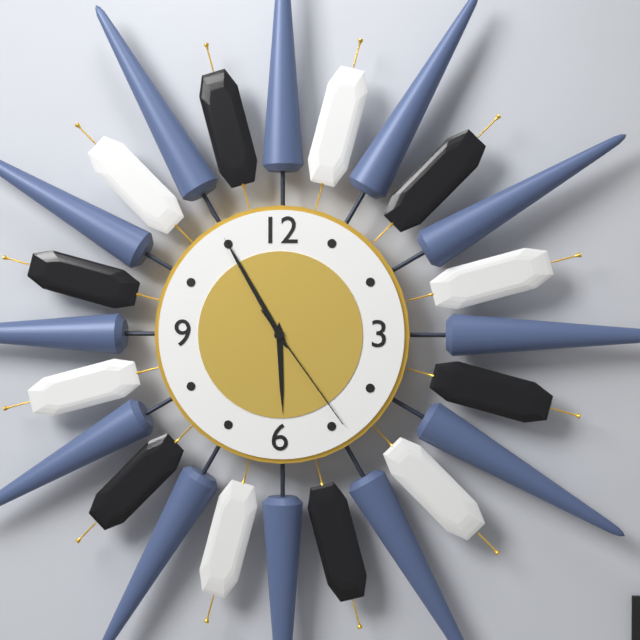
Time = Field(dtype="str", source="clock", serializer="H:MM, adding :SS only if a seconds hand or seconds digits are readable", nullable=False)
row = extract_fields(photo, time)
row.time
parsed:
5:55:24
